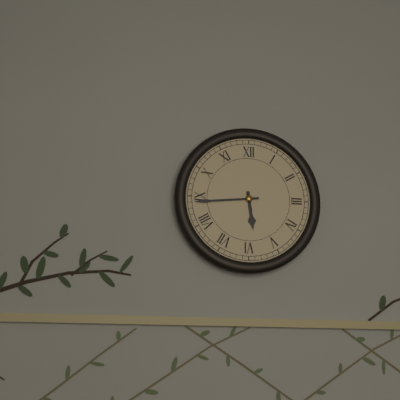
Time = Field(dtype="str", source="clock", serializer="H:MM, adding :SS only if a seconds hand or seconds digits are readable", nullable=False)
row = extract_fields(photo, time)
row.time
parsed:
5:44
